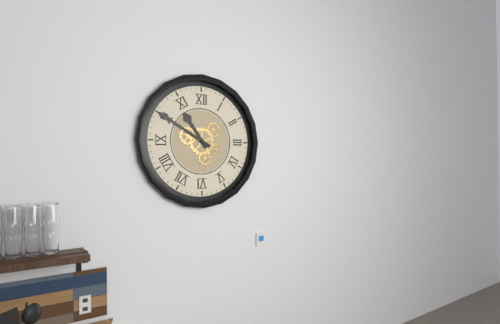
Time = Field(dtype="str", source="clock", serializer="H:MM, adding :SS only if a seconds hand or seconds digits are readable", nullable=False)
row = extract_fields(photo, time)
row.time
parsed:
10:50
